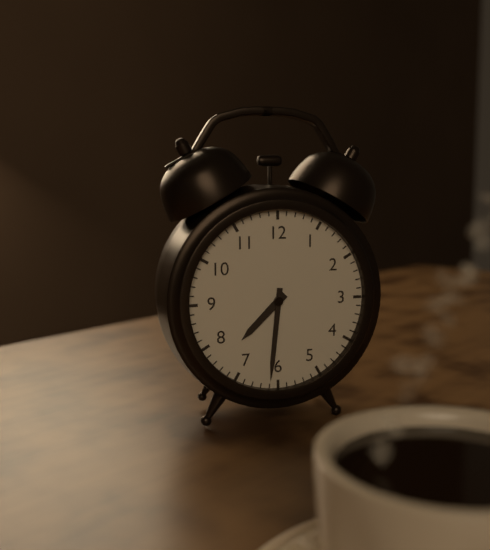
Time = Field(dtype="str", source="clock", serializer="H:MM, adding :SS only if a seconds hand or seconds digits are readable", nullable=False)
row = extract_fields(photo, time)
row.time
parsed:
7:31
